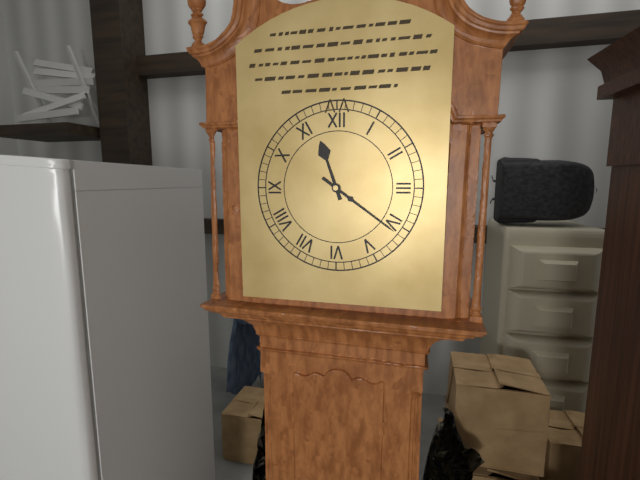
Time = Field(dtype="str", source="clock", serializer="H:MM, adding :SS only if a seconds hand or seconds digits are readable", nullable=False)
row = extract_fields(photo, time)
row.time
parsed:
11:21
